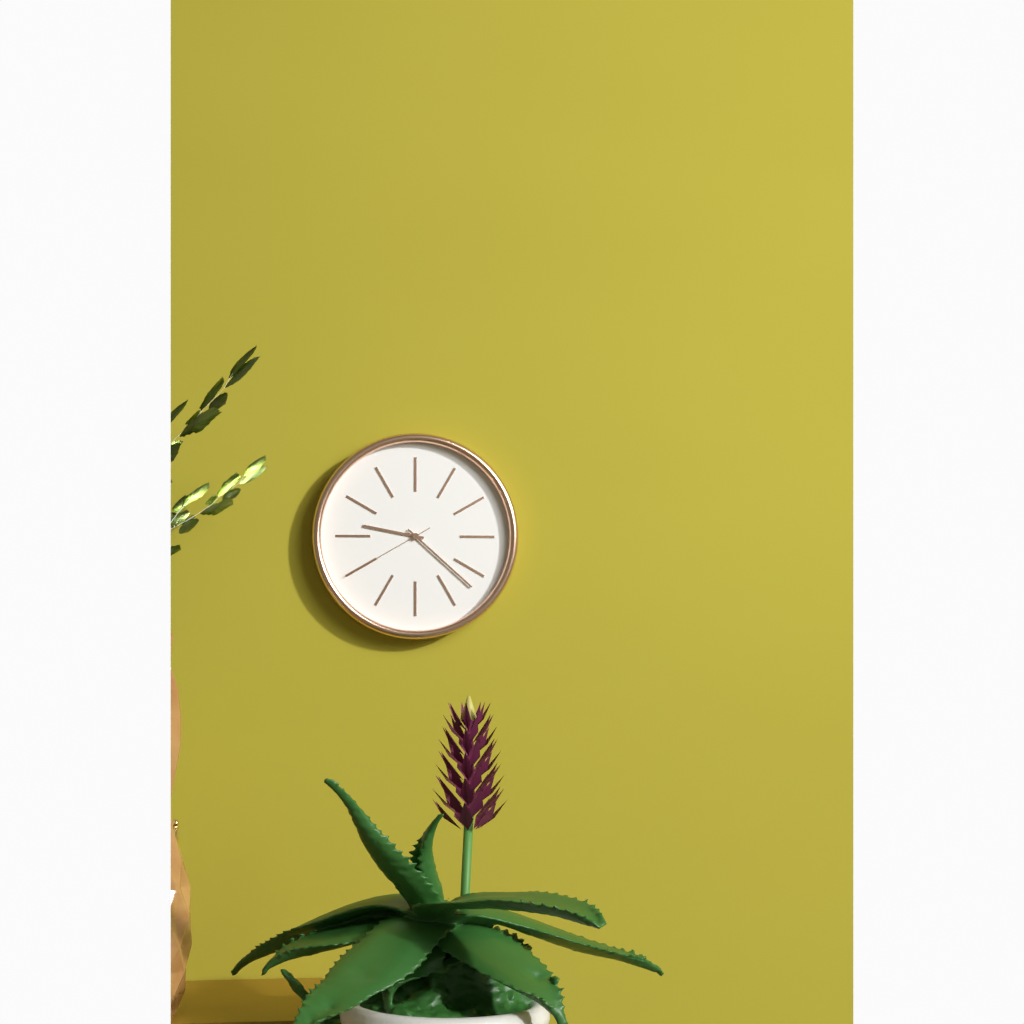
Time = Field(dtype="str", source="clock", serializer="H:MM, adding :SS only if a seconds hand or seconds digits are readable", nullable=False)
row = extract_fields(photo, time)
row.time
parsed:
9:22:40
